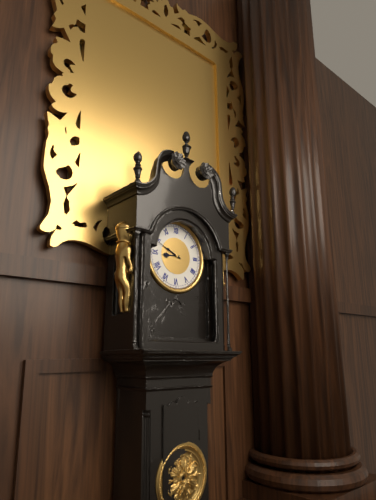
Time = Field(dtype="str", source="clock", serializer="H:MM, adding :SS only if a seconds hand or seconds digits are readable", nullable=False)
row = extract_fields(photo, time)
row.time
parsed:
8:49
